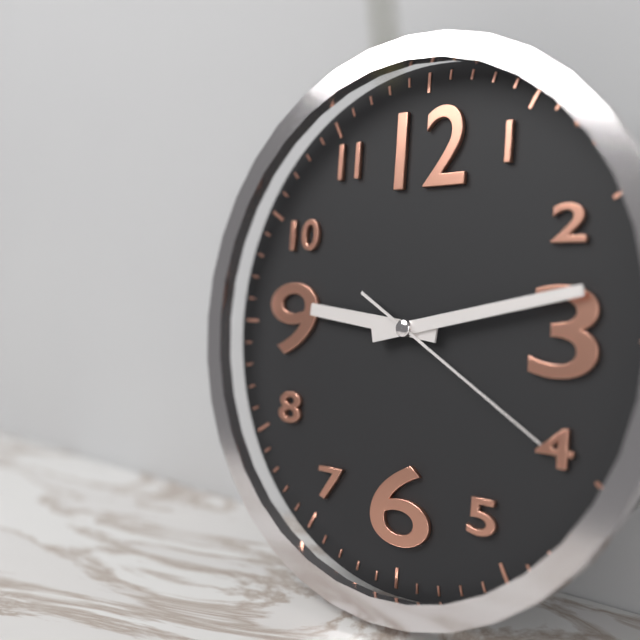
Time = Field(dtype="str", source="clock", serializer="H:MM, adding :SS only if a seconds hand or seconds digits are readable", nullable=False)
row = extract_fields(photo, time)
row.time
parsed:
9:13:20
